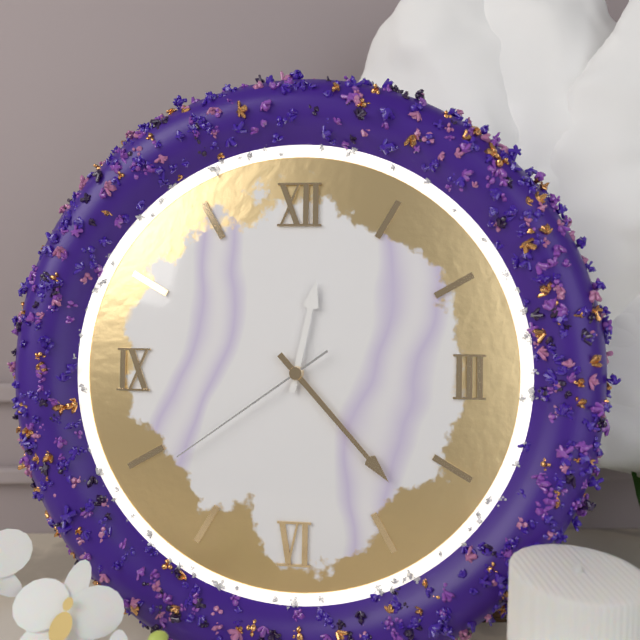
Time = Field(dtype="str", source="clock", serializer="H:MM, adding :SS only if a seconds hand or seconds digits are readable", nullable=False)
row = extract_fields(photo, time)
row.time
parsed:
12:23:39
